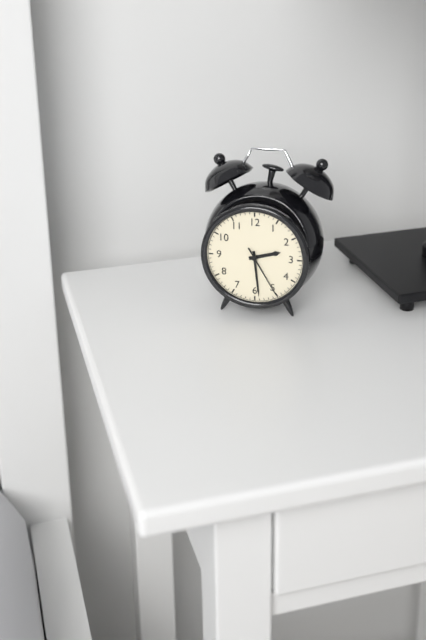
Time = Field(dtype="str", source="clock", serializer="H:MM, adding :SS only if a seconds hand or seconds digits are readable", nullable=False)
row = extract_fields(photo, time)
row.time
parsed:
2:29:25
